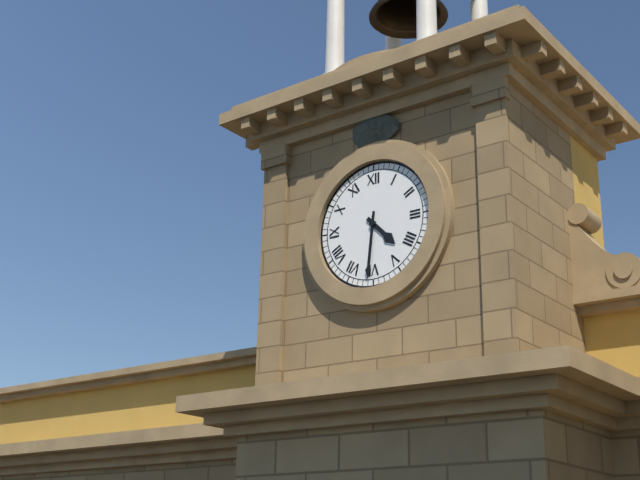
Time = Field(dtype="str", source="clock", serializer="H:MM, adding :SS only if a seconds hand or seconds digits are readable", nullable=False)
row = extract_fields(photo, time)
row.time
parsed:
4:31
